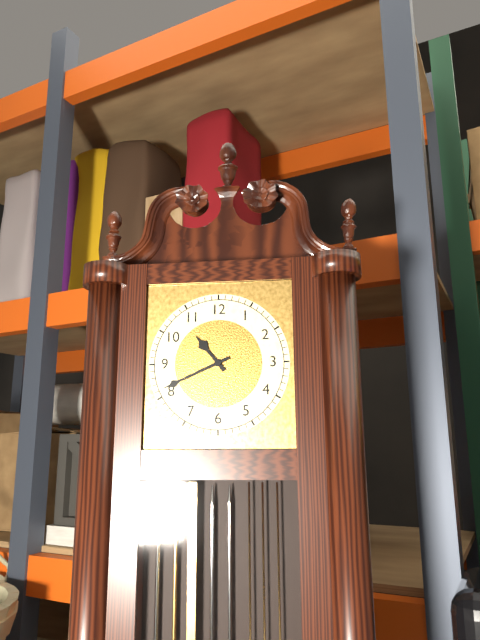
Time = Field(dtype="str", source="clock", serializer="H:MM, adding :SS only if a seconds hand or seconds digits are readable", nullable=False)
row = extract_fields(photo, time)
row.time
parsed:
10:41
